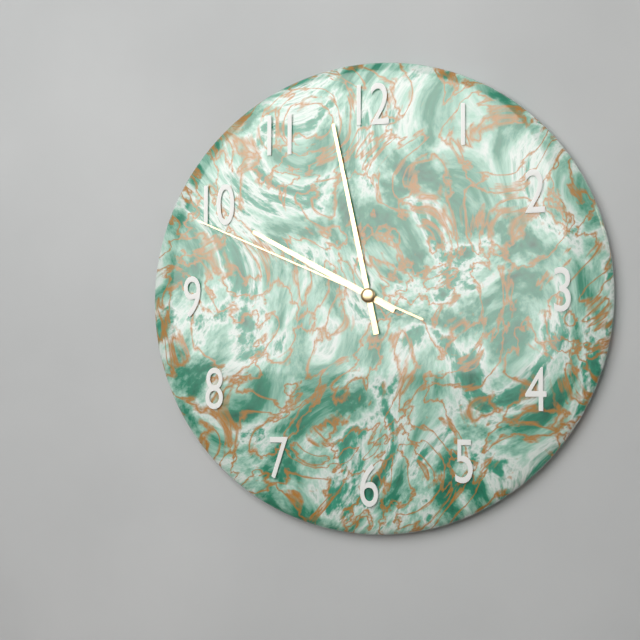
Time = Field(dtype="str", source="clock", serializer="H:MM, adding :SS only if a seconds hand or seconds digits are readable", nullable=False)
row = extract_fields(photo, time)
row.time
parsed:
9:58:49
